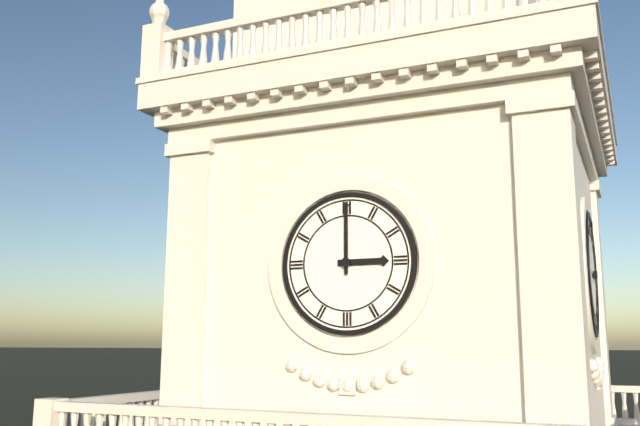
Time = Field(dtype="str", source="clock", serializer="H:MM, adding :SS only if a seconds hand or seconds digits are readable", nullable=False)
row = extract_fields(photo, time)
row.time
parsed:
3:00
